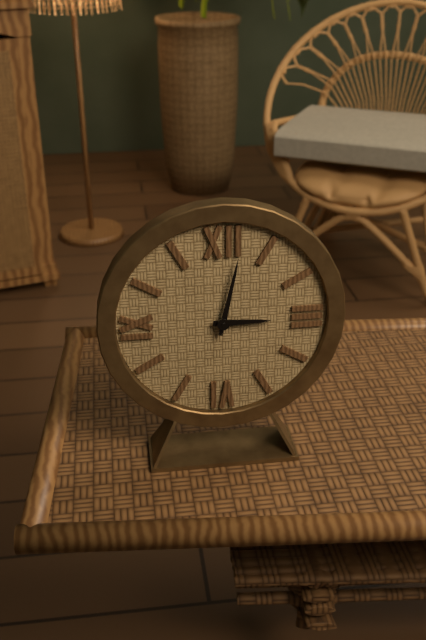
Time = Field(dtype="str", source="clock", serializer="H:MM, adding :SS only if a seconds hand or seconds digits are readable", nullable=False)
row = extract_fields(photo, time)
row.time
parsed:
3:02
